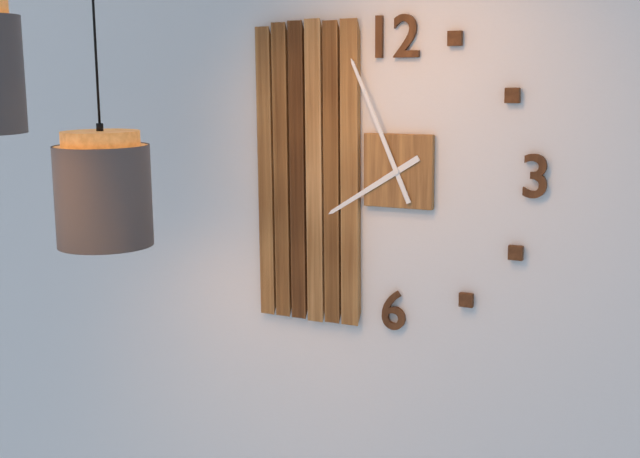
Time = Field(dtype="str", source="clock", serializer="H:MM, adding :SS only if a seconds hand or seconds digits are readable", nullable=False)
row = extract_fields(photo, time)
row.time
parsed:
7:56
